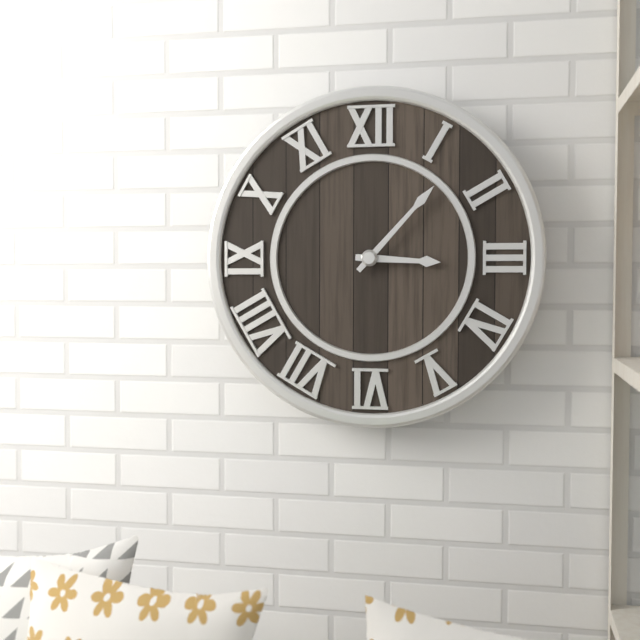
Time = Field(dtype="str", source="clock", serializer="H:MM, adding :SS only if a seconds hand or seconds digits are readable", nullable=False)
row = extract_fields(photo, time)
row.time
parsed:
3:07
